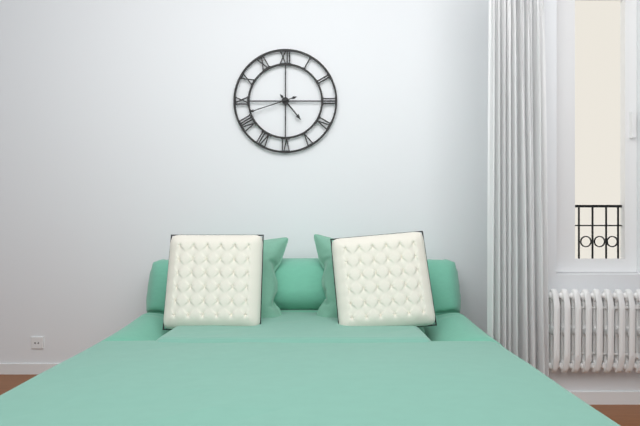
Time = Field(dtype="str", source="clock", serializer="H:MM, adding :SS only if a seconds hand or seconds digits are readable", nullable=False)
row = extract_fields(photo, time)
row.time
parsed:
4:42
